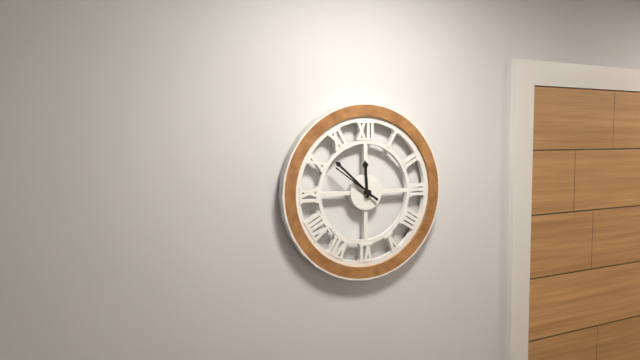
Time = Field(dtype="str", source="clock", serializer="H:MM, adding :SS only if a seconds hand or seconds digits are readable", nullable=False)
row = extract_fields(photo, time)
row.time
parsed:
11:52
